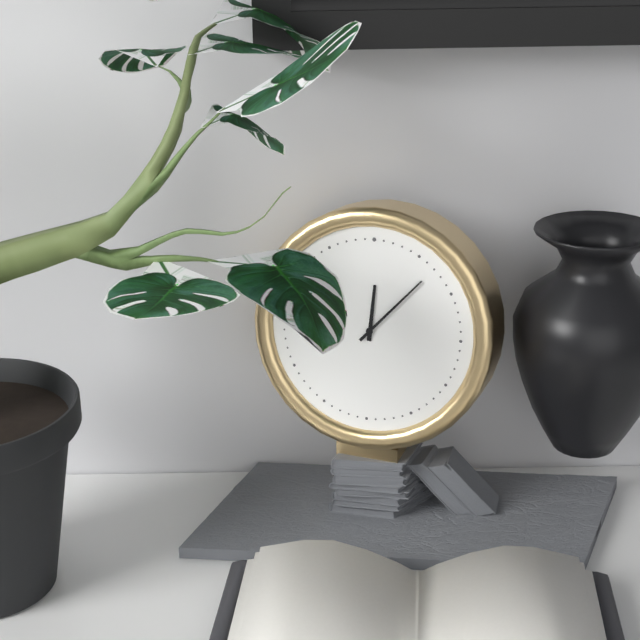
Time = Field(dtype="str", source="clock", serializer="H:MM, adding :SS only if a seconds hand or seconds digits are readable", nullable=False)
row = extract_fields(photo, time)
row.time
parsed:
12:07
